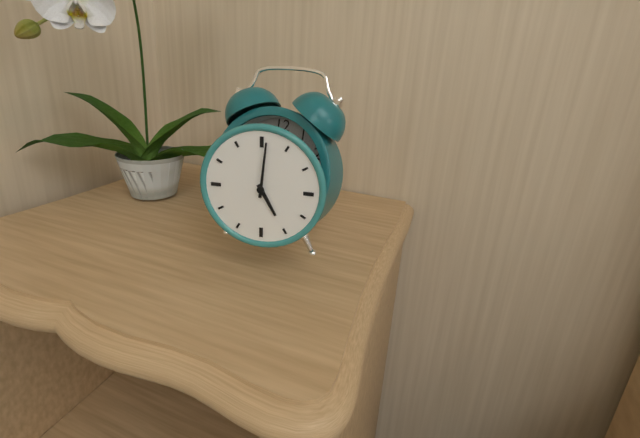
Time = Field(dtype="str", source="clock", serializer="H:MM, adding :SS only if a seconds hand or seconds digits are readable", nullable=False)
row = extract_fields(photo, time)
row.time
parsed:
5:01
